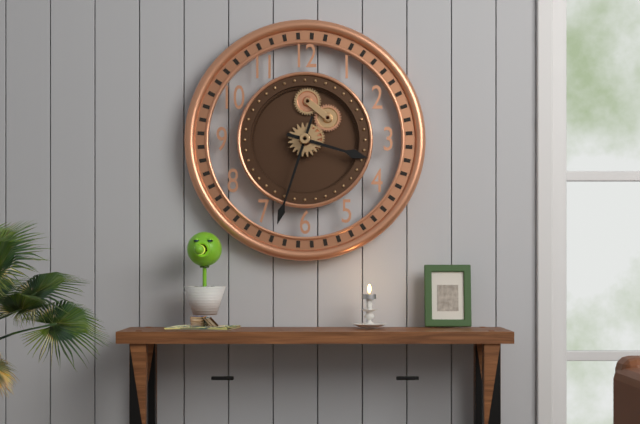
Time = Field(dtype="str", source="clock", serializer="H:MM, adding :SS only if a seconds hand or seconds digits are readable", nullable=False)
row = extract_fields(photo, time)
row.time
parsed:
3:33
